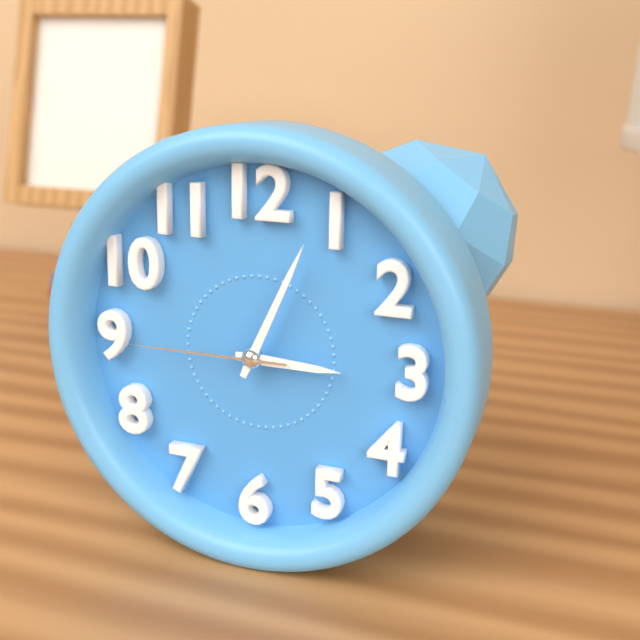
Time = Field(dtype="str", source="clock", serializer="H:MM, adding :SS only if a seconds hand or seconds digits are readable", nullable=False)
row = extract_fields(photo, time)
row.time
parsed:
3:04:45
